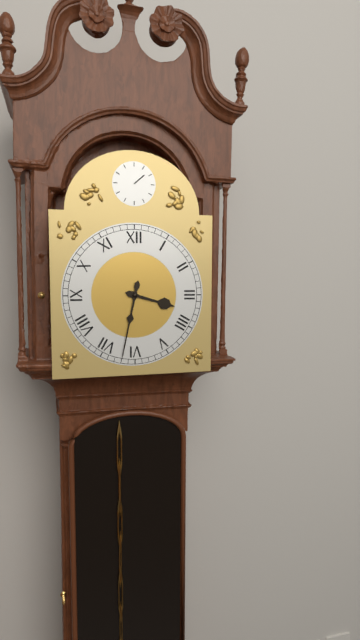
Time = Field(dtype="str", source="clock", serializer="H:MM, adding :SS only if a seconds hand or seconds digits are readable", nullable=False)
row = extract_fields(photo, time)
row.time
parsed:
3:32
